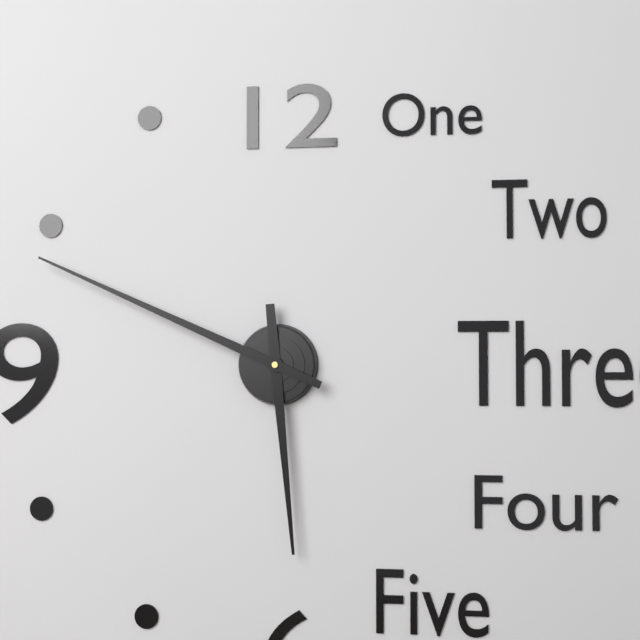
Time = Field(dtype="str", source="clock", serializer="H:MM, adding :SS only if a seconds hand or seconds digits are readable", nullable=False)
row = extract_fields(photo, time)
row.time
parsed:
5:49
